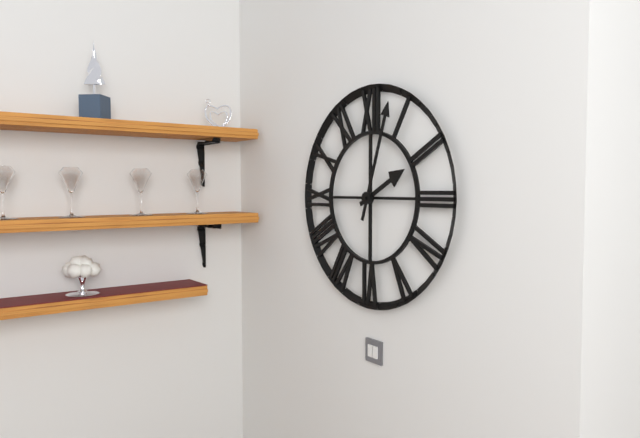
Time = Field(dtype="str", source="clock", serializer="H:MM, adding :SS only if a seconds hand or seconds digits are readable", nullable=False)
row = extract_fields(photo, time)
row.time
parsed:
2:03
